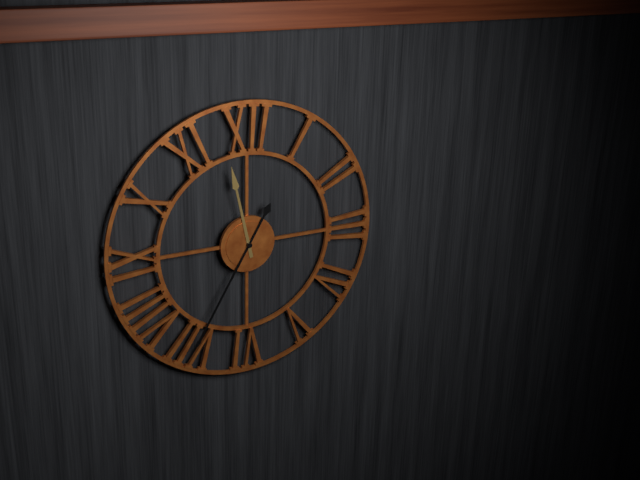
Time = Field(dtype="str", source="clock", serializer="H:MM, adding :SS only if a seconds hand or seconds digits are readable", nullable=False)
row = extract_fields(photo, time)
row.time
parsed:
11:35
